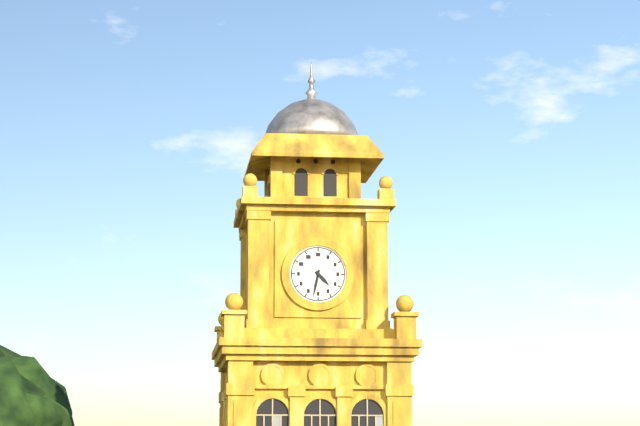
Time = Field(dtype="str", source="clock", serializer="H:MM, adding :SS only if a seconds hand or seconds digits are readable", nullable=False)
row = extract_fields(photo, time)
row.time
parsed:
4:32
